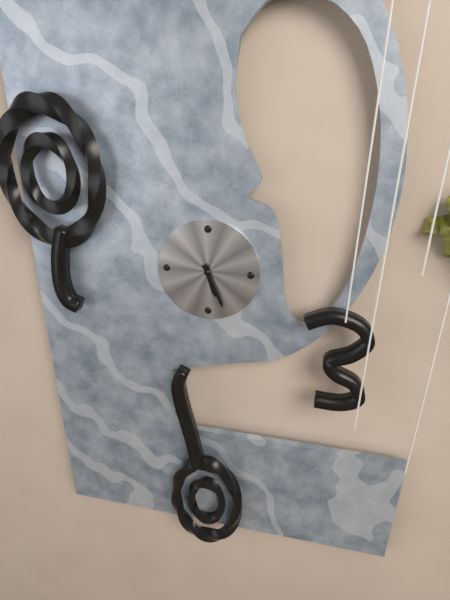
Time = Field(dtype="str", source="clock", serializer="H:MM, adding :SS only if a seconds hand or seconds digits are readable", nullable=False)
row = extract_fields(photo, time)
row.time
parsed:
5:26
